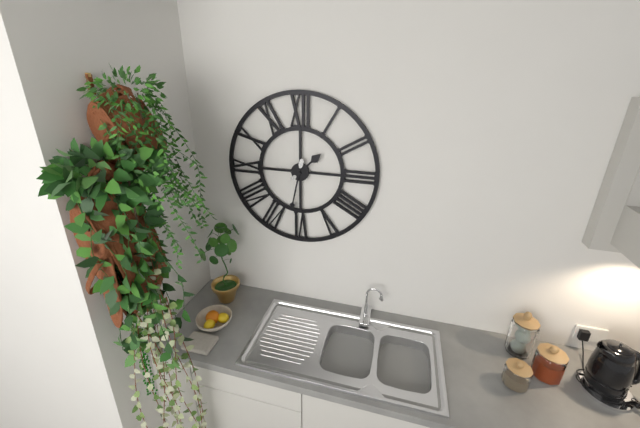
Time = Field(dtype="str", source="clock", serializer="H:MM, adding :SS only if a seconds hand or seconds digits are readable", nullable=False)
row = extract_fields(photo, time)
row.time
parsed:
1:32
